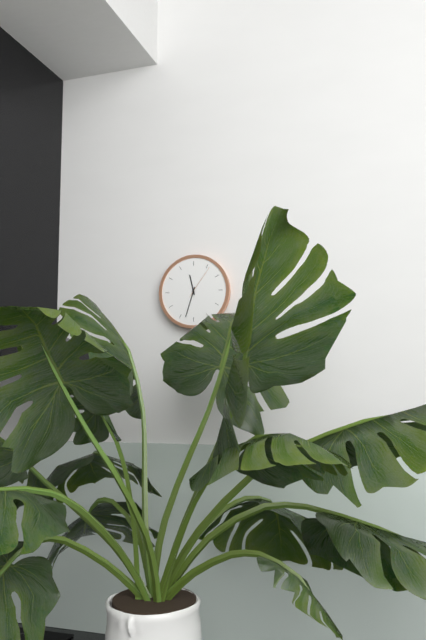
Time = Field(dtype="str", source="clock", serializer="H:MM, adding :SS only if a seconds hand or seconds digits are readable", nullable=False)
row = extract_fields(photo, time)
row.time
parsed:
11:33
